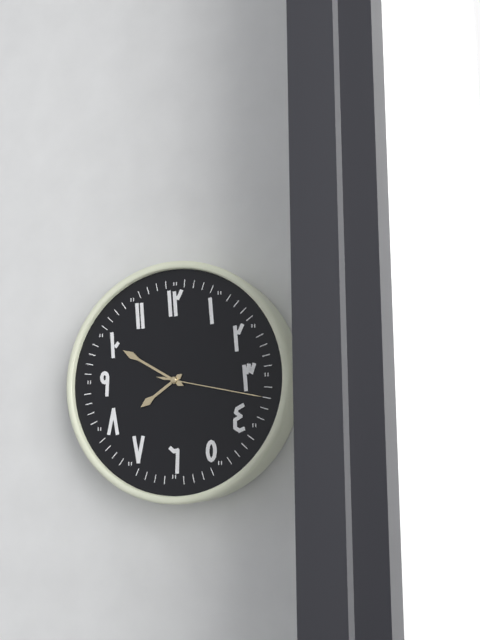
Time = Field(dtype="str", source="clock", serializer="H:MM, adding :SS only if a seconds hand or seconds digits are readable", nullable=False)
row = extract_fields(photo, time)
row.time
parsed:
7:50:17
